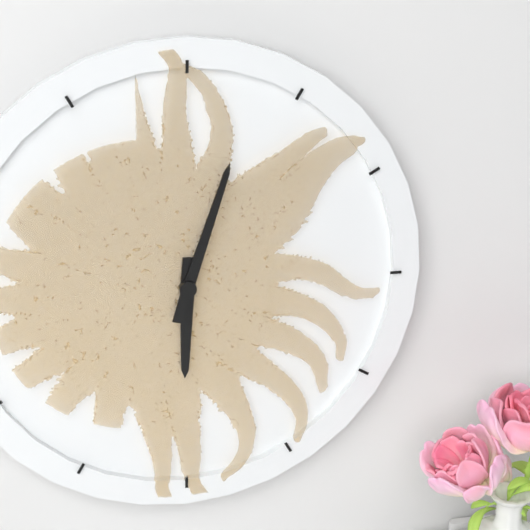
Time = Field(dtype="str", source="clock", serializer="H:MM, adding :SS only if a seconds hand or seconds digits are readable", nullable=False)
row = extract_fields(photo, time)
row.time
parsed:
6:03
